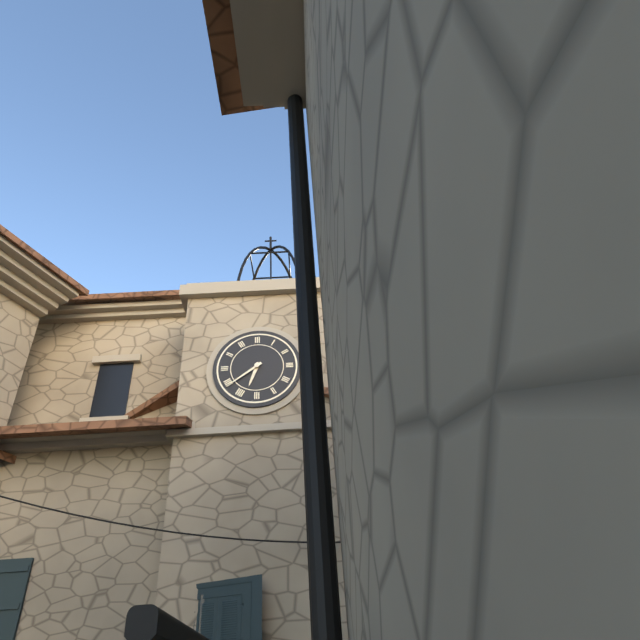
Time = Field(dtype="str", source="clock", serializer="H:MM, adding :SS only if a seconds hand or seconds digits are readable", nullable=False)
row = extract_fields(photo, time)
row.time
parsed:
6:39
